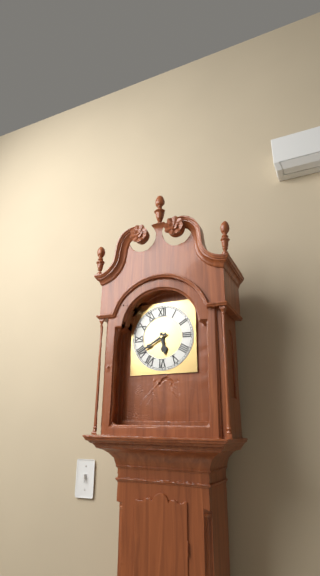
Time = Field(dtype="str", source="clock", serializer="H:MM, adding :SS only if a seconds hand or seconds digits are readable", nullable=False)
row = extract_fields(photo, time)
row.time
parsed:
5:40
